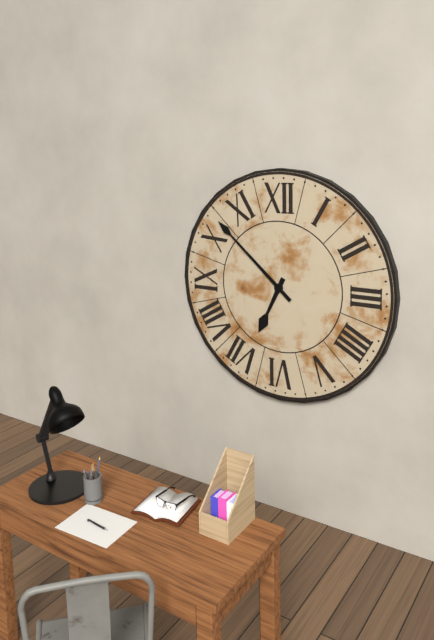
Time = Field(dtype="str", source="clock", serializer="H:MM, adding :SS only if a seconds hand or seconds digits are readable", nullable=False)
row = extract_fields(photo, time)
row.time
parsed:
6:52
